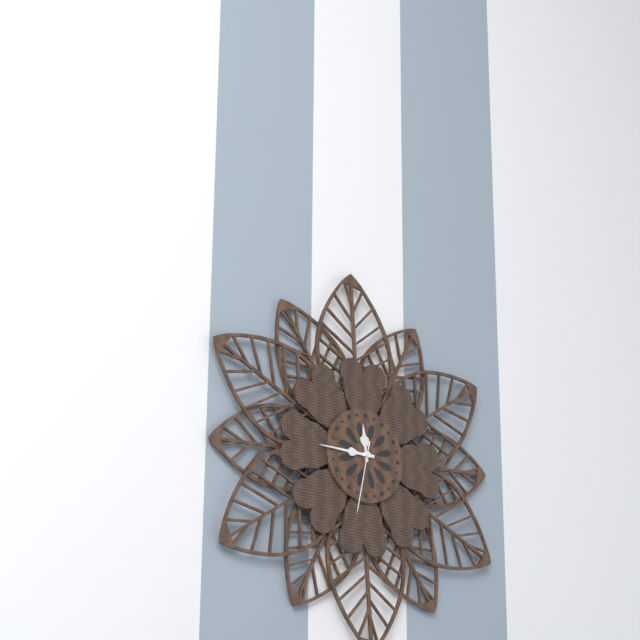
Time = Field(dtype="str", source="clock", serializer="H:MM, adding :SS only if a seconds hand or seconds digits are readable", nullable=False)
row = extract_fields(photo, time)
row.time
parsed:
11:45:32
